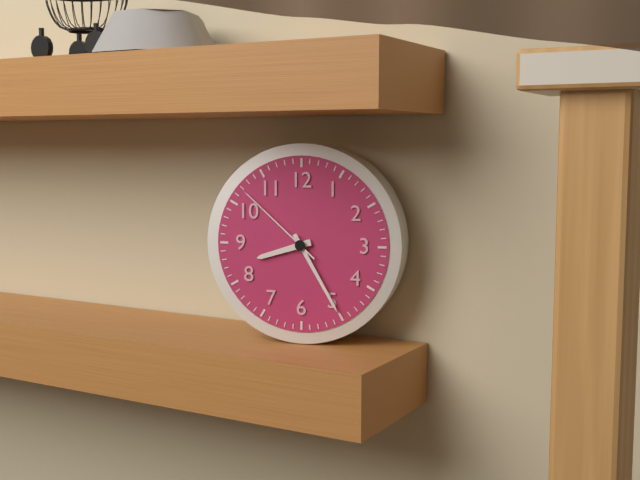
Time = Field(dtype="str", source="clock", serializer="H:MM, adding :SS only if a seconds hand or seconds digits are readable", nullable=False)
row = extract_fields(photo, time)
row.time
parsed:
8:25:52
